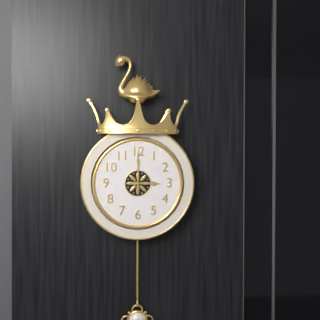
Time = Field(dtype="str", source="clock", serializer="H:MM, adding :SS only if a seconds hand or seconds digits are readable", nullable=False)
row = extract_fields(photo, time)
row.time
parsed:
3:00
